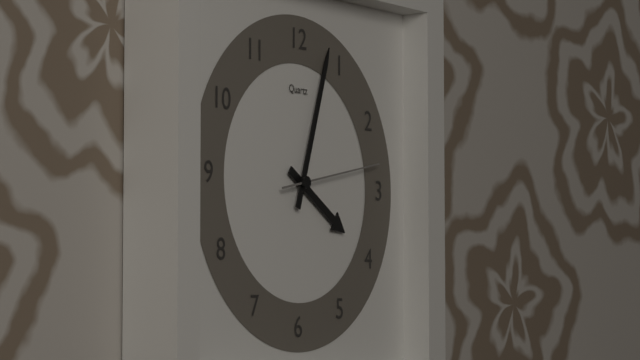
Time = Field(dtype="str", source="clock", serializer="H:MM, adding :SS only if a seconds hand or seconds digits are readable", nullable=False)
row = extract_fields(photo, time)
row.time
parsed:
4:03:13
